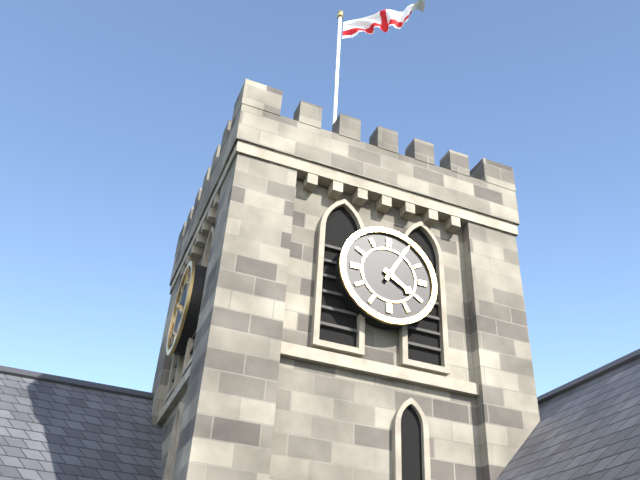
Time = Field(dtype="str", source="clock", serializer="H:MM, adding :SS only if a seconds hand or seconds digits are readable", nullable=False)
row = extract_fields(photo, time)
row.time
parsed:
4:05
